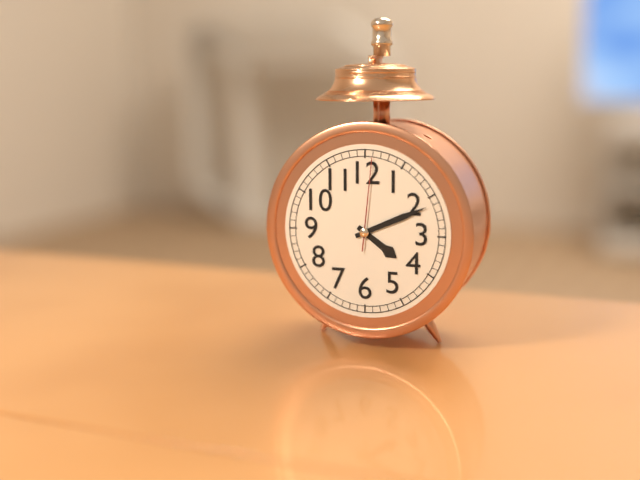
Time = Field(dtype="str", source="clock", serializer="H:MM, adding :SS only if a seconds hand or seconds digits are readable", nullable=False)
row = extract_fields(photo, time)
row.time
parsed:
4:11:01
